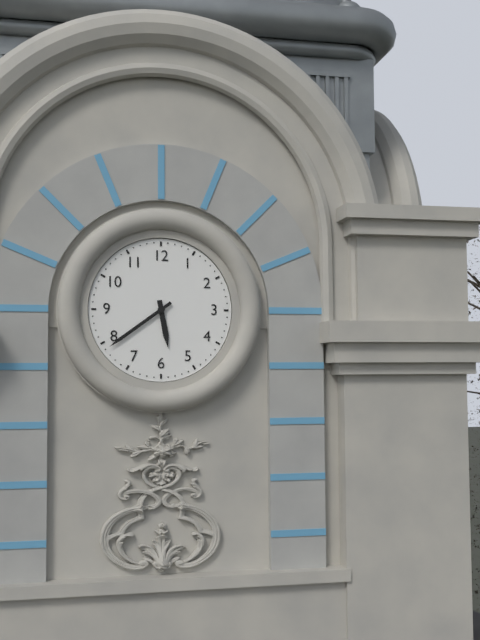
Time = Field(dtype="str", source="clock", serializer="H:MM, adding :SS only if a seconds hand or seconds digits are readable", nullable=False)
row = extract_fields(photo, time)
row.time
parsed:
5:39
